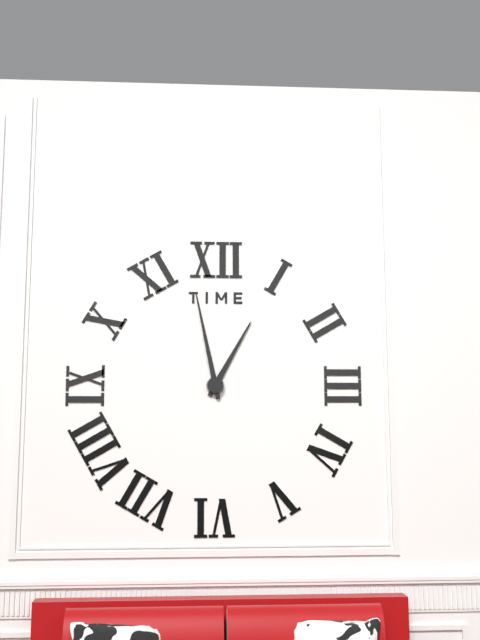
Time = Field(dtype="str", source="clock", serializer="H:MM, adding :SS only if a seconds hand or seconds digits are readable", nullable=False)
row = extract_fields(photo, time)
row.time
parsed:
12:58
